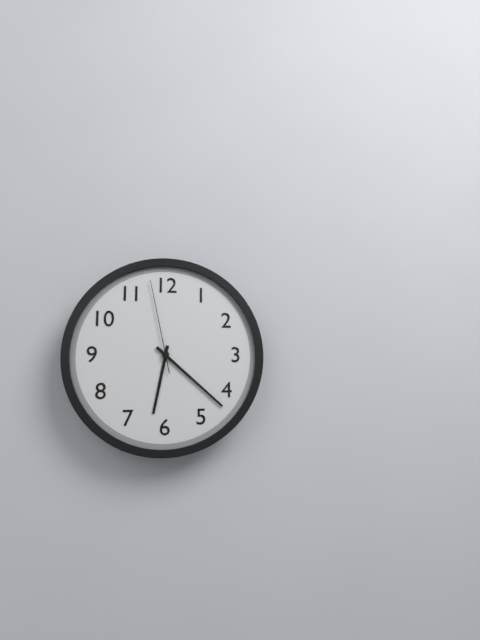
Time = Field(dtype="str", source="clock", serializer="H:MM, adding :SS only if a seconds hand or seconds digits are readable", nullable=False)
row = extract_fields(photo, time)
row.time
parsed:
6:22:58
